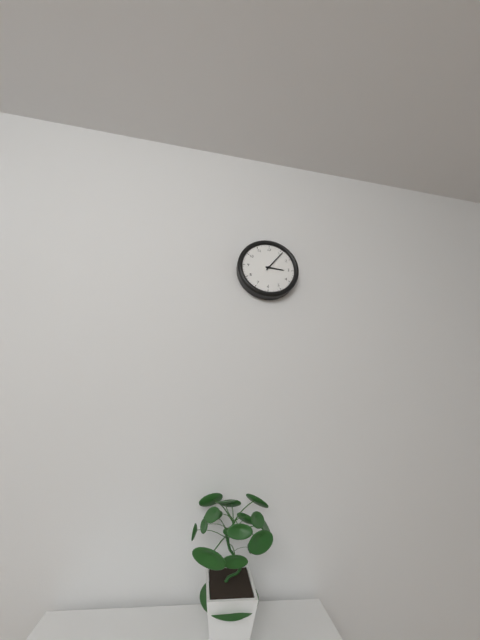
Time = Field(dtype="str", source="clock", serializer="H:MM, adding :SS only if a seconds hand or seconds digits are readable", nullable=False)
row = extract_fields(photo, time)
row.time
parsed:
3:06
